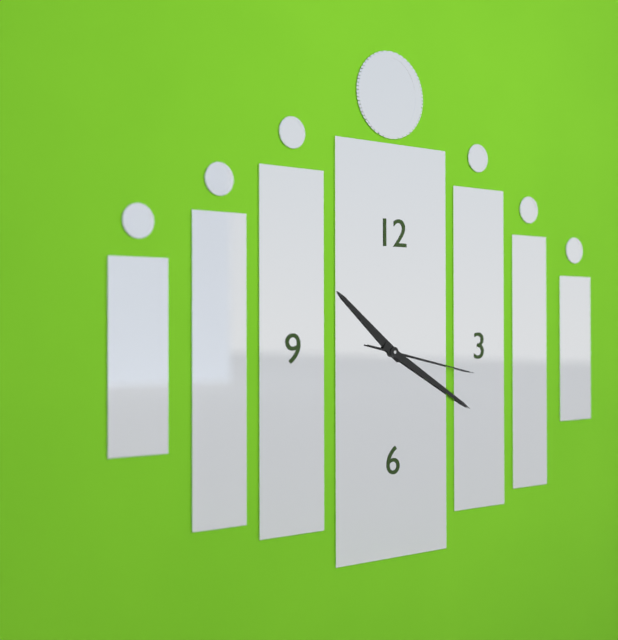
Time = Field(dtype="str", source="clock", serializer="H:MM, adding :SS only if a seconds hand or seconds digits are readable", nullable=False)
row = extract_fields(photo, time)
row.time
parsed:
10:20:17
